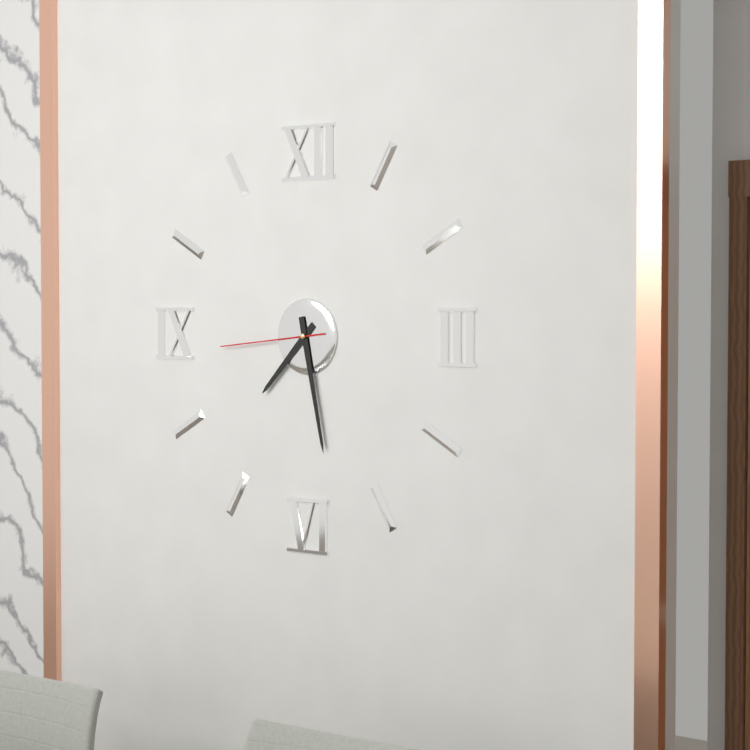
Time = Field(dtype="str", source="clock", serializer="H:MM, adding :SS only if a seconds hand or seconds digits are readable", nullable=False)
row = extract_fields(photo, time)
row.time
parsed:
7:28:44
